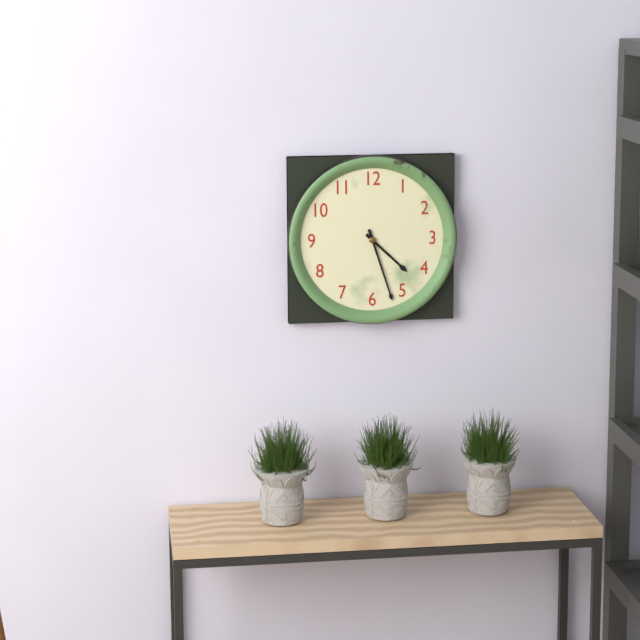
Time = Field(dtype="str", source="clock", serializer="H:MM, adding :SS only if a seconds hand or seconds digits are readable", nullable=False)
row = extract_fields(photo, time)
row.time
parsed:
4:27
